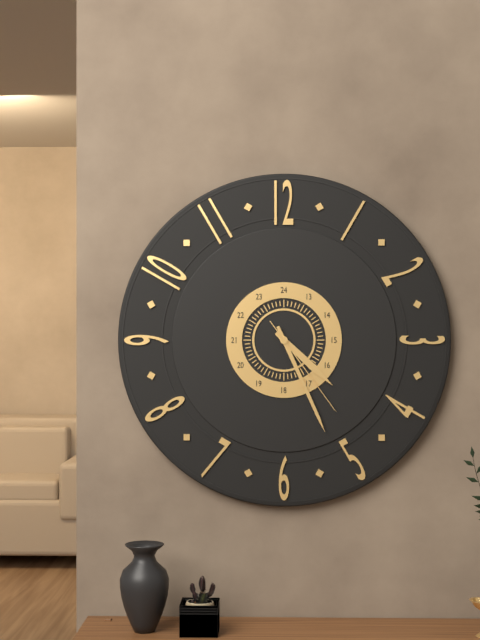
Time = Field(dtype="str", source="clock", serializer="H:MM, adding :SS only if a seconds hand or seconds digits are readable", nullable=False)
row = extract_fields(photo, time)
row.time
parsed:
4:26:24
